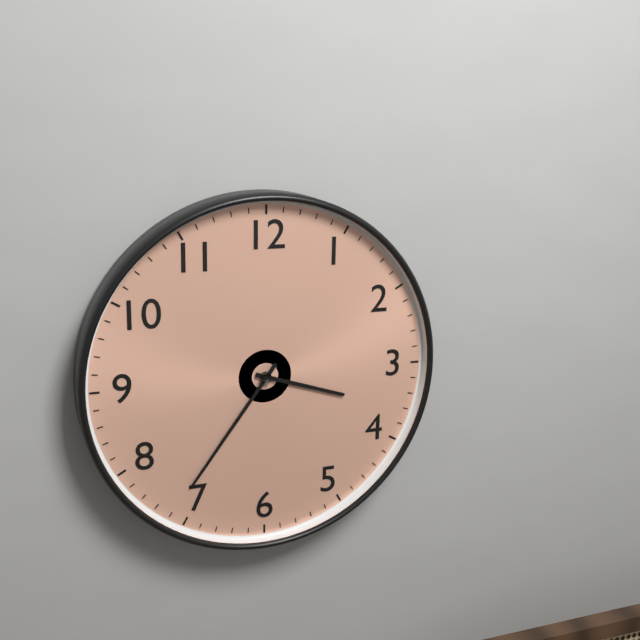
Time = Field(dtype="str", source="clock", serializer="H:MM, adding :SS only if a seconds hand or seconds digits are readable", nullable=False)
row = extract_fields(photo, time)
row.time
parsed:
3:36
